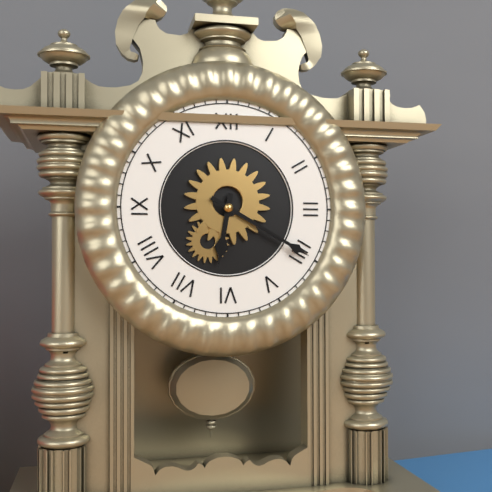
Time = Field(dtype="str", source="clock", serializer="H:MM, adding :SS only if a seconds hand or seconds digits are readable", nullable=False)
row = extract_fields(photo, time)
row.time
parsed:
6:20
